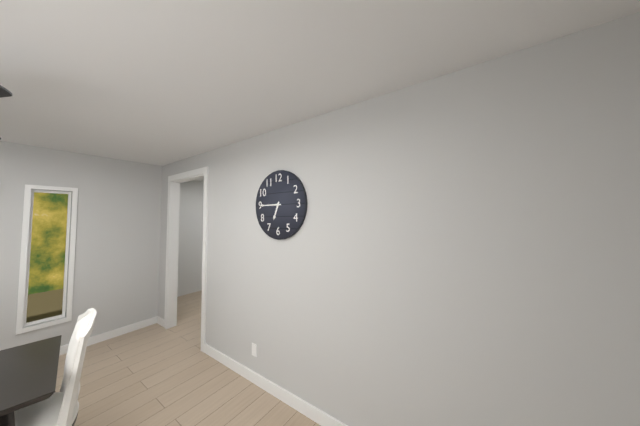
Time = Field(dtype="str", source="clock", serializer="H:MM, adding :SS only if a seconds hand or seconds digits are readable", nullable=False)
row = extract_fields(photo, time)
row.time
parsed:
6:45
